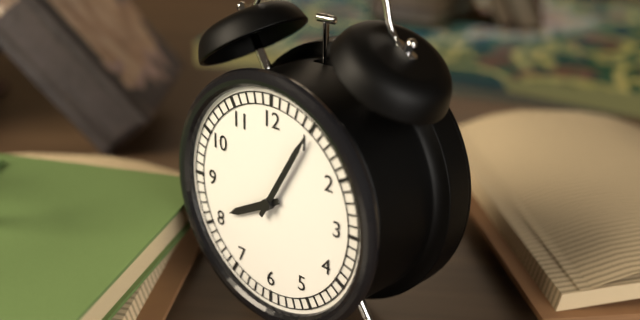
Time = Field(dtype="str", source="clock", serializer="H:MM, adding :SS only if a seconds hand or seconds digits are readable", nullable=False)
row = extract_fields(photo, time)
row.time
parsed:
8:05
